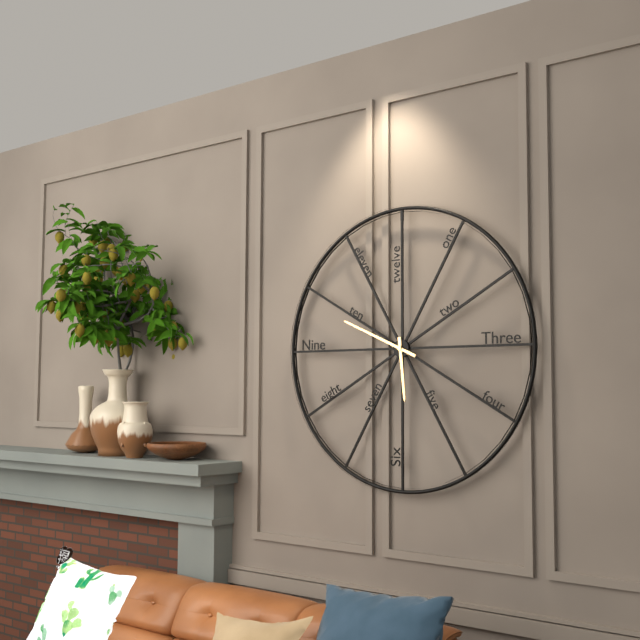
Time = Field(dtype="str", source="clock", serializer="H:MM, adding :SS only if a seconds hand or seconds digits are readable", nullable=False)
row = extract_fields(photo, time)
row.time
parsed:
5:49
